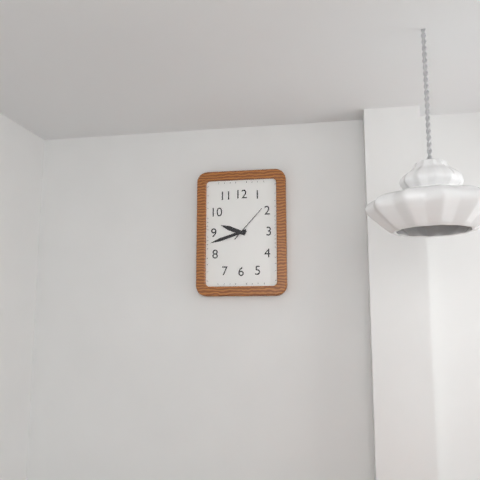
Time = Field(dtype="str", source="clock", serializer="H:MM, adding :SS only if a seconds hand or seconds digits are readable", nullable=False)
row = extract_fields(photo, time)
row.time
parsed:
9:42
